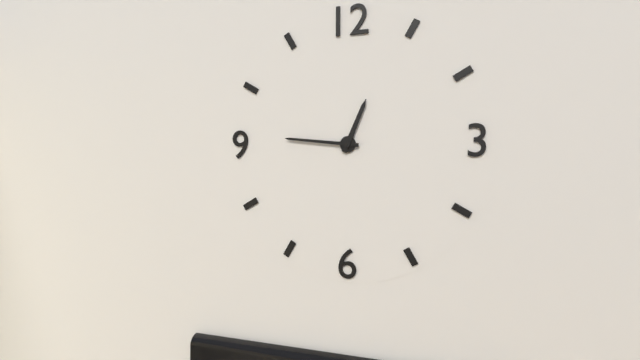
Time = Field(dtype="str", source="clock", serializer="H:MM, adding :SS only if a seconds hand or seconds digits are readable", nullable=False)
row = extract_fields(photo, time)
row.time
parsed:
12:46
